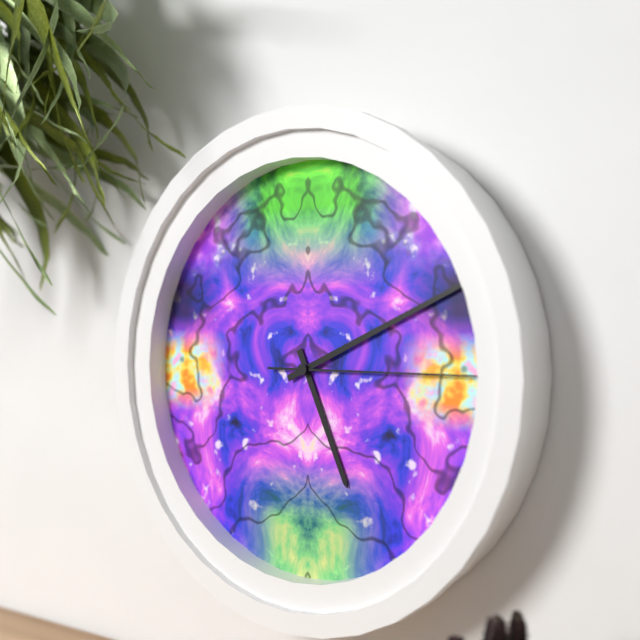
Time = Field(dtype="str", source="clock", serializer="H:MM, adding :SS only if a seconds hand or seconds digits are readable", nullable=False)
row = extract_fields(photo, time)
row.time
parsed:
5:11:15
